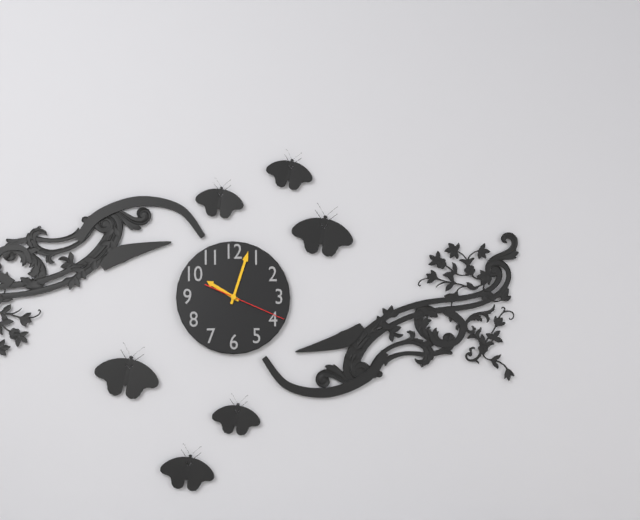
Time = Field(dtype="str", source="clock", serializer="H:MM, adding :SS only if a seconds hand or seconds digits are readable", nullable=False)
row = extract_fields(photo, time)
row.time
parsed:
10:03:19
